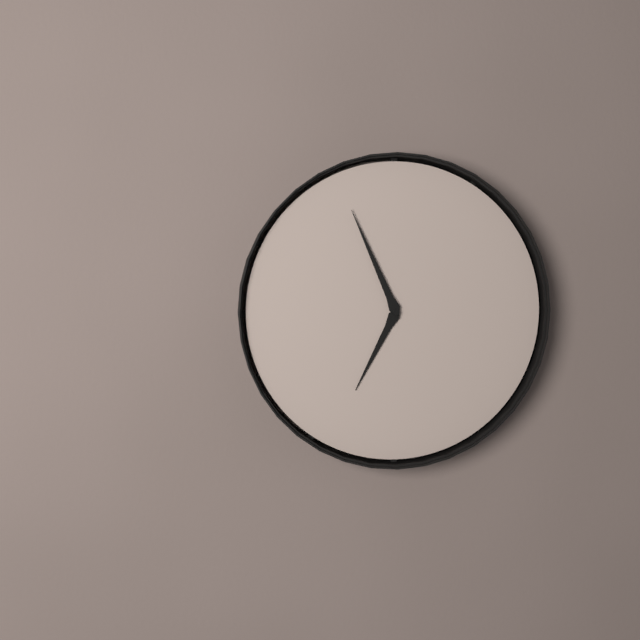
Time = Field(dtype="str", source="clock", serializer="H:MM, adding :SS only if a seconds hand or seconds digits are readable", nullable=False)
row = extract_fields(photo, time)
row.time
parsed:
6:56
